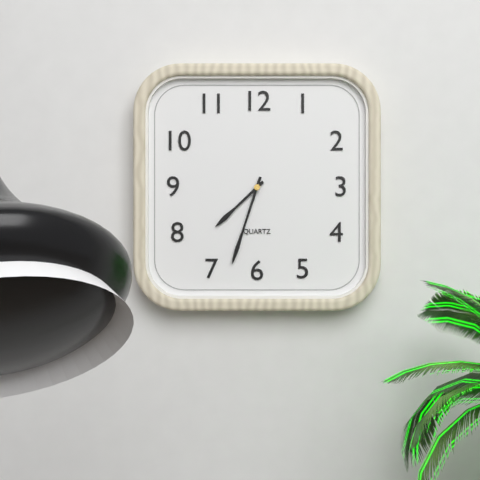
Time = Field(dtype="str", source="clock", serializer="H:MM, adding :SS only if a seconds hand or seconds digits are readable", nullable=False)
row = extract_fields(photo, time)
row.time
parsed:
7:33
